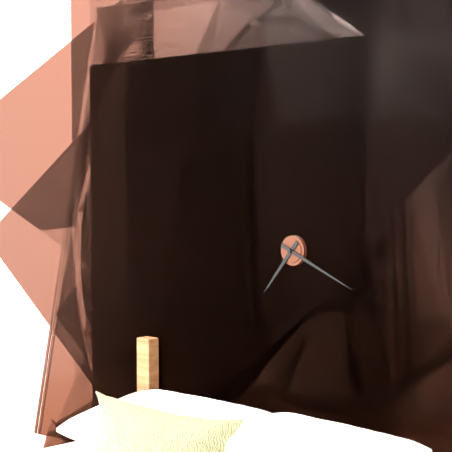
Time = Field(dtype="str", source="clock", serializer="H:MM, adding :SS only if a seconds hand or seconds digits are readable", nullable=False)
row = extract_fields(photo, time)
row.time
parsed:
7:19
